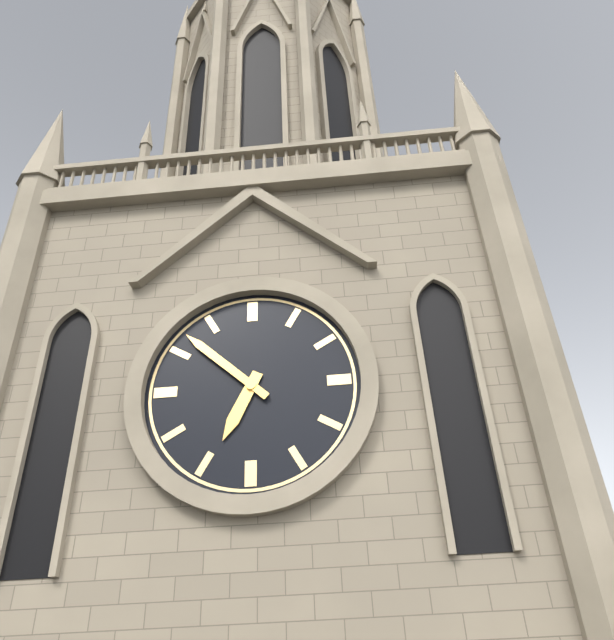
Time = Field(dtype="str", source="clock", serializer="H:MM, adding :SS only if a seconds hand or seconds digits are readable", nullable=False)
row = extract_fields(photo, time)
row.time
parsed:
6:52
